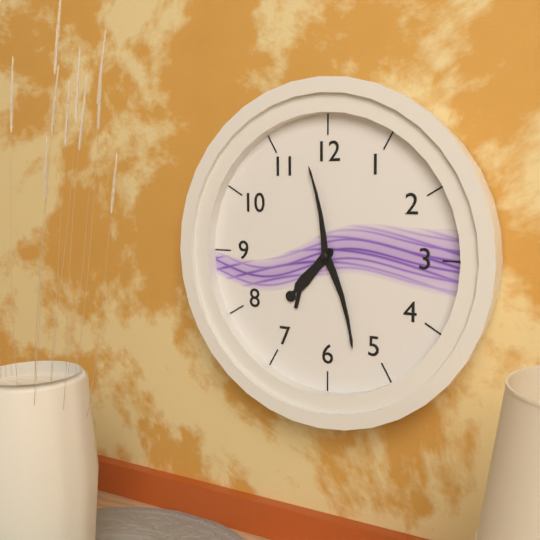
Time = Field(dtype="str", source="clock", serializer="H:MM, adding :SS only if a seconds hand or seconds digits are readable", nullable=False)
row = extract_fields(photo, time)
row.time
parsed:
7:27:58
